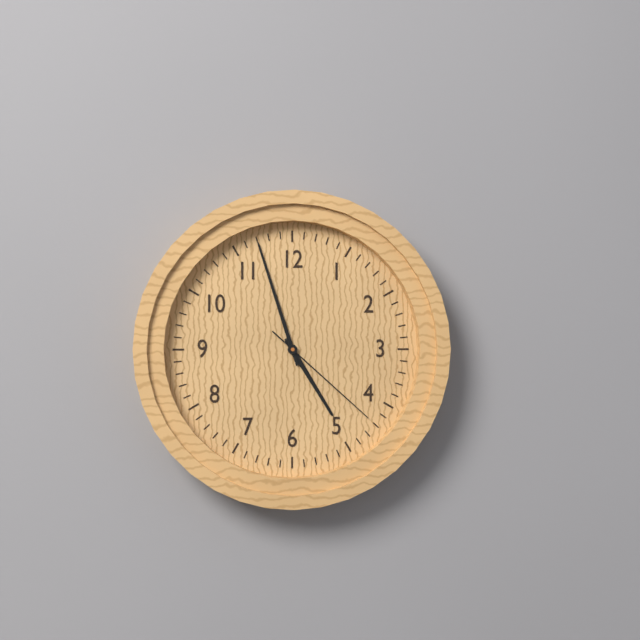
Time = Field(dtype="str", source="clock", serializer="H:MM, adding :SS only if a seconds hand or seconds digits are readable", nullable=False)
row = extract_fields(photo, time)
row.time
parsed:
4:57:22
